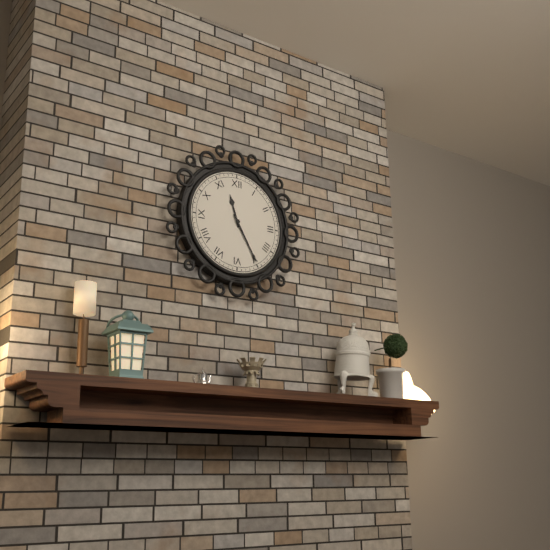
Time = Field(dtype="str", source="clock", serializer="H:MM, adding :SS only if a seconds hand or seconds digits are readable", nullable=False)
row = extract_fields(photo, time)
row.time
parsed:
11:25
